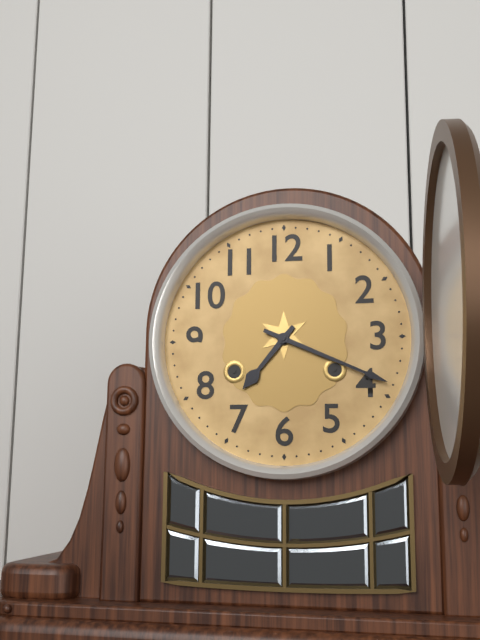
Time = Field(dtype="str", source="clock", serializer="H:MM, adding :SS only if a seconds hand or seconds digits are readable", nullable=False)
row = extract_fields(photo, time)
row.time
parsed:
7:19
